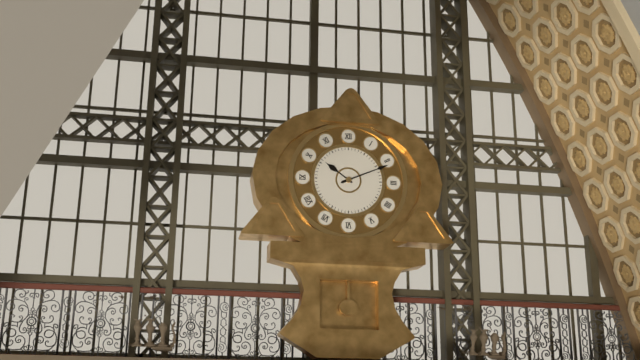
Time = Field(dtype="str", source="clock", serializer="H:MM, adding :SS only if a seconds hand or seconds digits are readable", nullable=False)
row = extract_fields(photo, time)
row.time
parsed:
10:11
